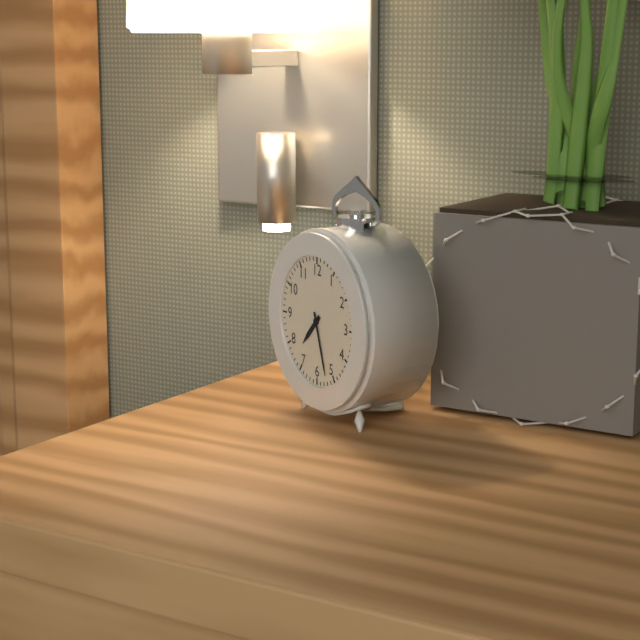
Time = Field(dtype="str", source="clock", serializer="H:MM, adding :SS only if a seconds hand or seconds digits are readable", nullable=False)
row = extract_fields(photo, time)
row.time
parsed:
7:27
